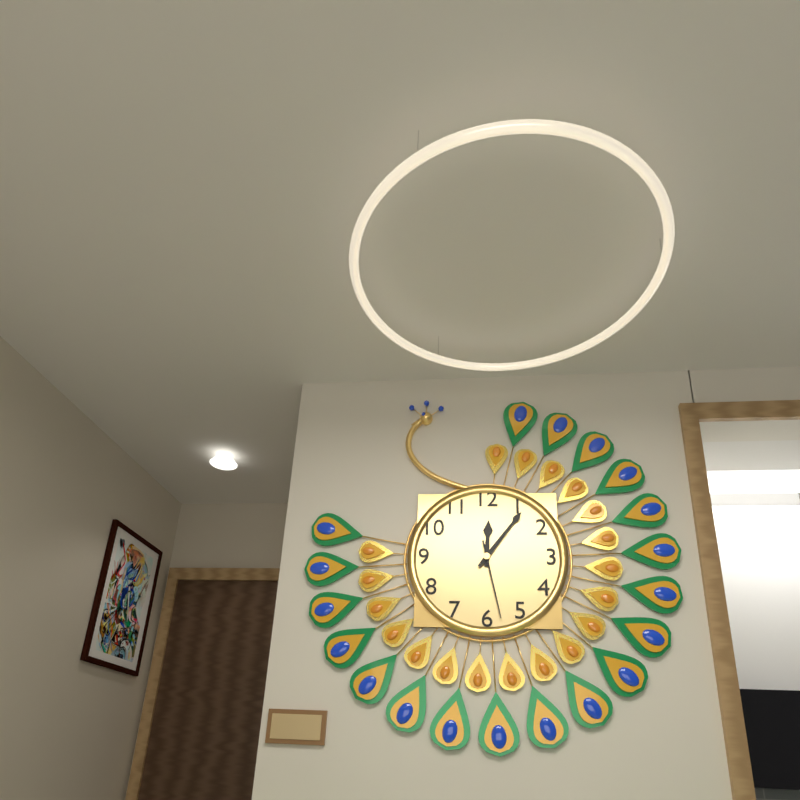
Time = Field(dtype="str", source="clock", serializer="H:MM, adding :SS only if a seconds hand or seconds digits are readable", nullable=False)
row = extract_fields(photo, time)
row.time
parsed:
12:06:28
